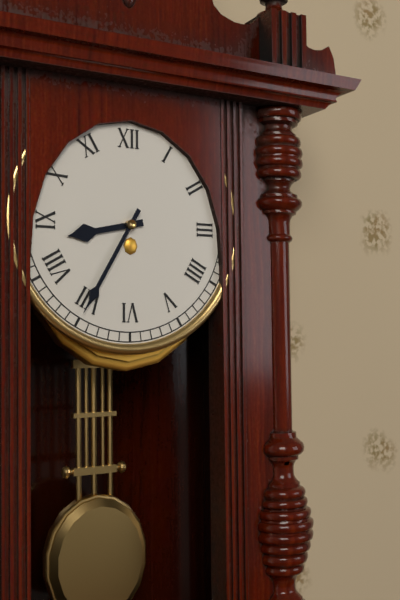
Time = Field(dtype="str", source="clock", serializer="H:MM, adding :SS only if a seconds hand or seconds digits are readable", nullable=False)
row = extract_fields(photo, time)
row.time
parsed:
8:35
